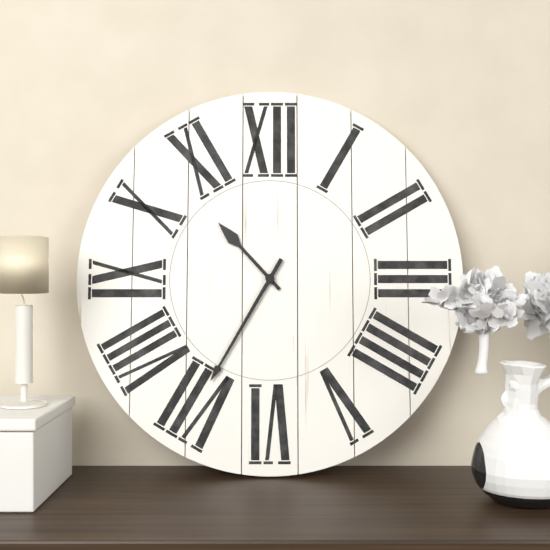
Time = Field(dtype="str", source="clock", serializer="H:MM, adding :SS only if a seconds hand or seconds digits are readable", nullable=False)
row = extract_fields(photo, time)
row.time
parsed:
10:35
